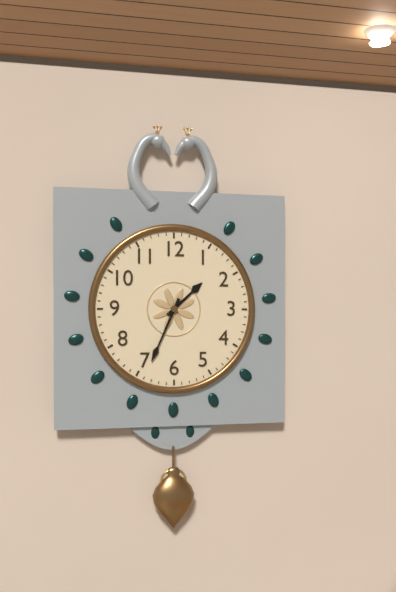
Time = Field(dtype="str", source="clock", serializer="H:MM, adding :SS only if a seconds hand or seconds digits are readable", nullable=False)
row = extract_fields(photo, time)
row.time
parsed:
1:34
